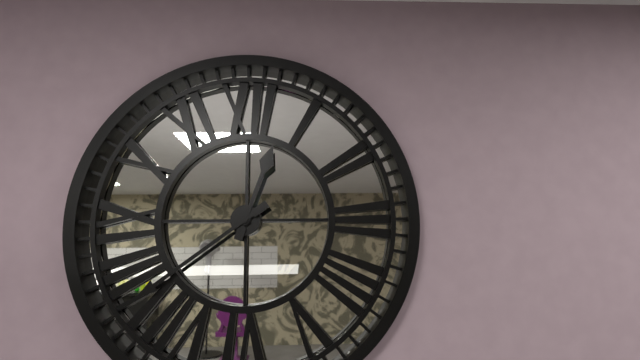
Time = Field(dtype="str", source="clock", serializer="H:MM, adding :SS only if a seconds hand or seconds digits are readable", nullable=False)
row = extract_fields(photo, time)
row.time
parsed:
12:39
